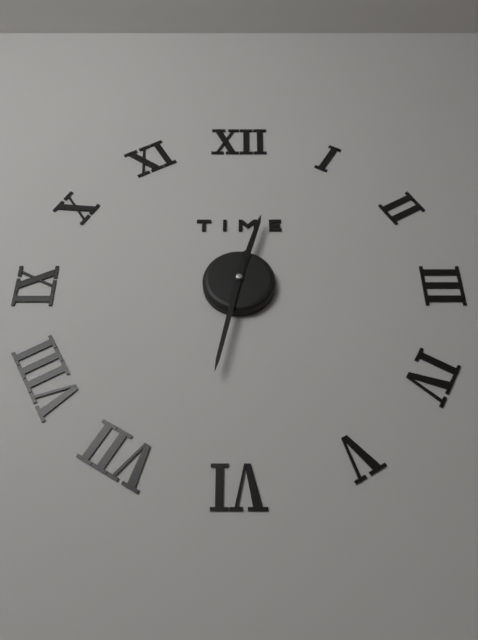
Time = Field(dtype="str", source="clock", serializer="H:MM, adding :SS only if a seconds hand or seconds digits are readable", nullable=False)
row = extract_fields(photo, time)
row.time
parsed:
12:32
